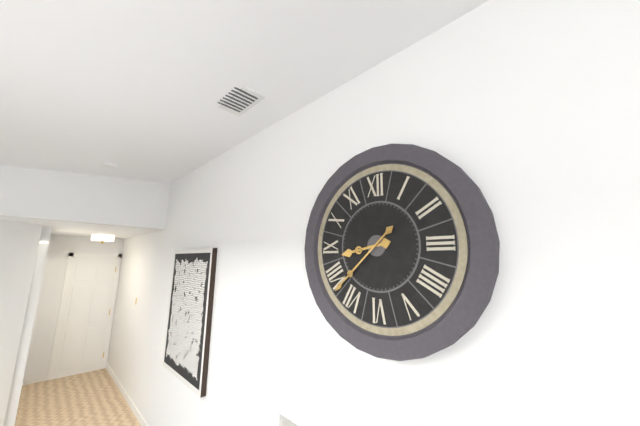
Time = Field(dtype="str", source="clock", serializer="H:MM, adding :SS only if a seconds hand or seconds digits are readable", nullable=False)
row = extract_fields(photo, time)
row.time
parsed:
8:38
